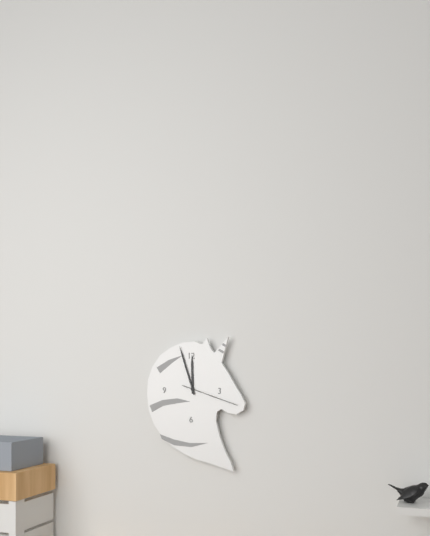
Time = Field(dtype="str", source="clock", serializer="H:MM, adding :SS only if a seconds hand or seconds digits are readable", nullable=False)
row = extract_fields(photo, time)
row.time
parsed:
11:57:18
